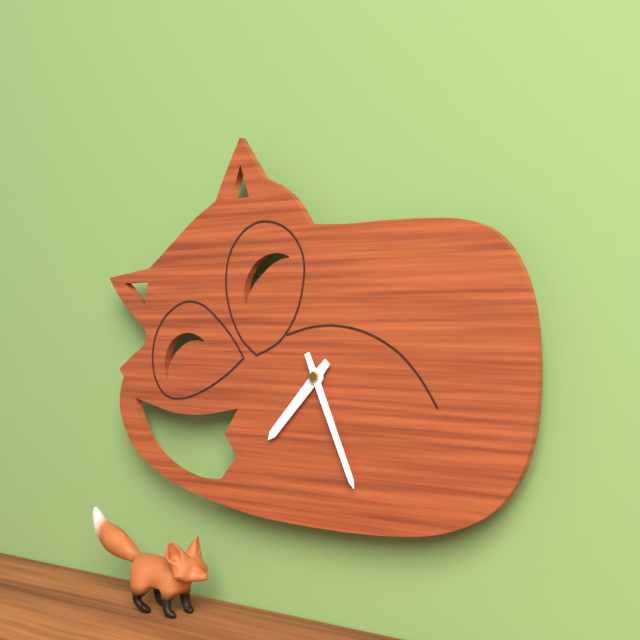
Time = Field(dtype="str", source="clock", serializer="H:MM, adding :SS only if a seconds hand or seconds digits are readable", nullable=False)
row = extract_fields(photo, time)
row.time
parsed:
7:26
